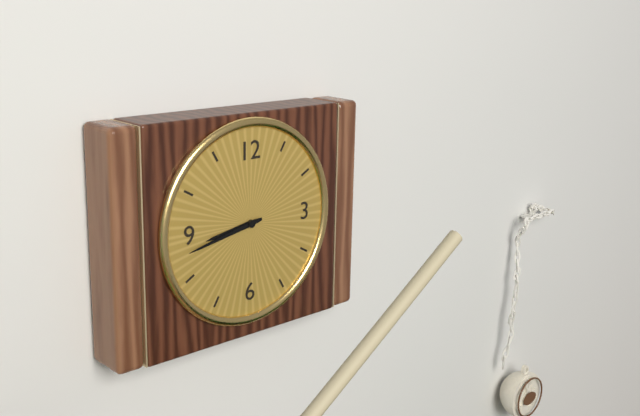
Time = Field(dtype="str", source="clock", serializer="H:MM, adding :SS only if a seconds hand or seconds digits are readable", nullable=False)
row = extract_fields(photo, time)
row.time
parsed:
8:43
